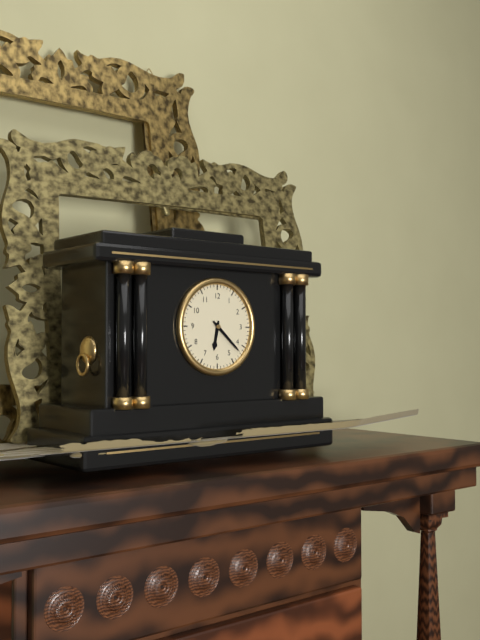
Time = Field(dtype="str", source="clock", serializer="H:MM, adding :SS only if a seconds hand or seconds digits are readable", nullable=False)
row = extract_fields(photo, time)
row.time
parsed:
6:22
